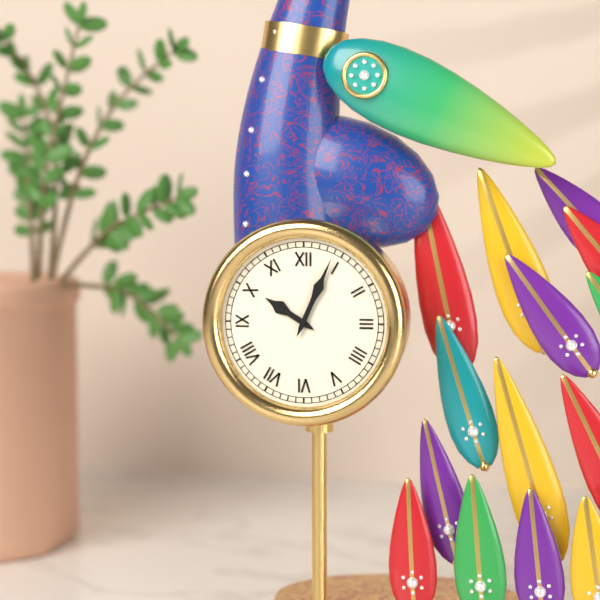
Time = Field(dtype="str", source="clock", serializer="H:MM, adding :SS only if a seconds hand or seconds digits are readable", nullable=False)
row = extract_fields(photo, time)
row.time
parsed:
10:04
